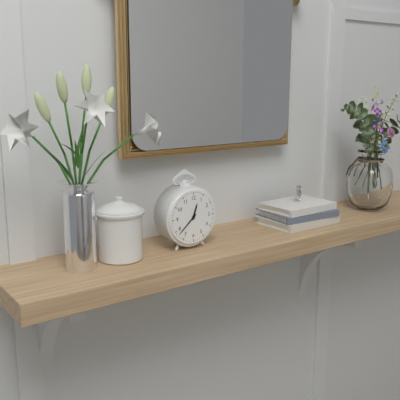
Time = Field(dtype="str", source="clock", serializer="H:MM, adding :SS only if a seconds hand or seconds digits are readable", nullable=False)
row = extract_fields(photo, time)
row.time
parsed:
12:38
